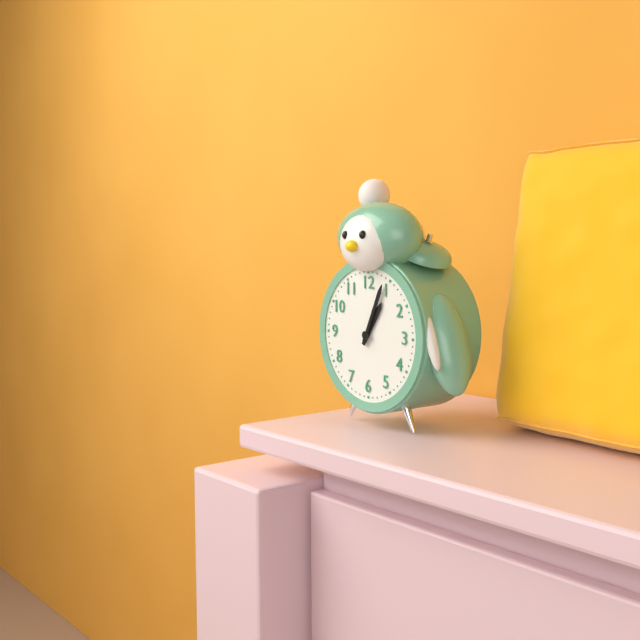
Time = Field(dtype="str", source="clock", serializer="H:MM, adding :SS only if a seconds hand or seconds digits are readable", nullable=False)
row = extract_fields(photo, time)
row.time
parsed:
1:04
